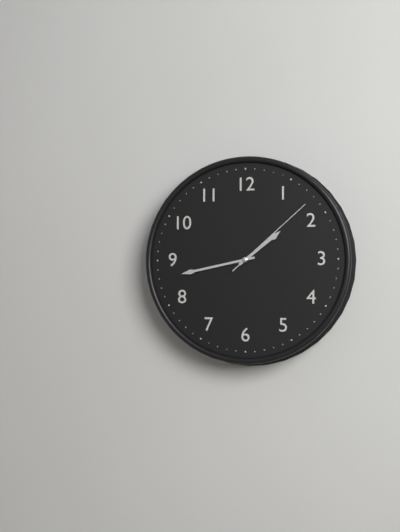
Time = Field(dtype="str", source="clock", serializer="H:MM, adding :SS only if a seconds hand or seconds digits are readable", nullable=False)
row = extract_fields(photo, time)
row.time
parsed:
1:43:08
